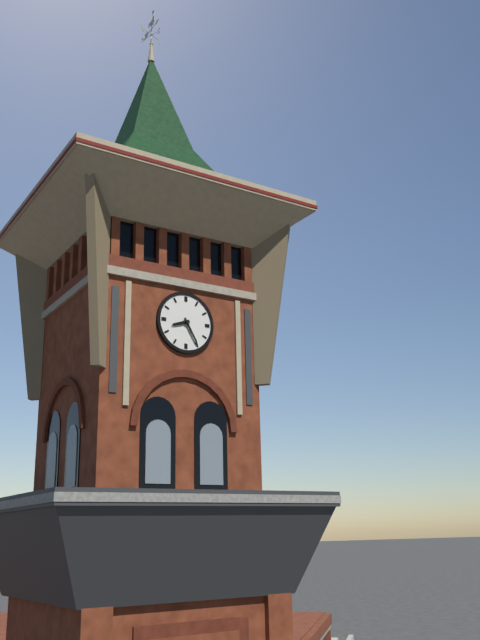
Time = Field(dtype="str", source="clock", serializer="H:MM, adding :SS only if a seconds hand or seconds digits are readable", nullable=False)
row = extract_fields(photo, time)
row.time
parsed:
8:25
